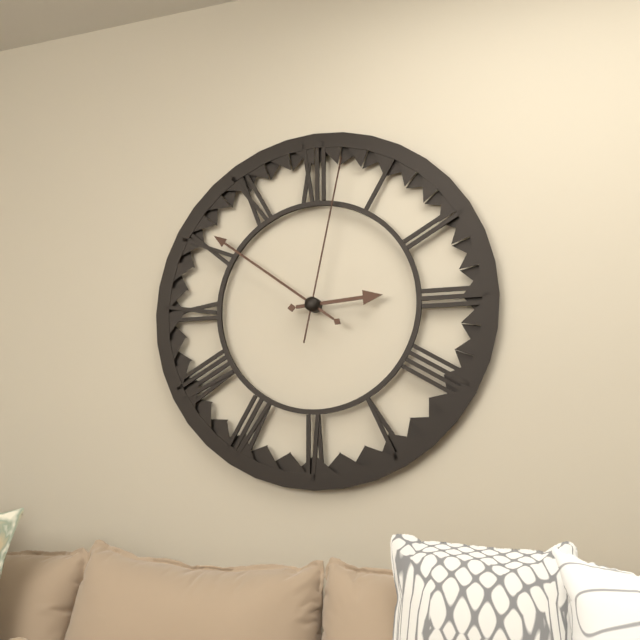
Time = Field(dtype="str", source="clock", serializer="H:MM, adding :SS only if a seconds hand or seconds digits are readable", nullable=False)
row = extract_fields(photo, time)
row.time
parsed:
2:51:02
